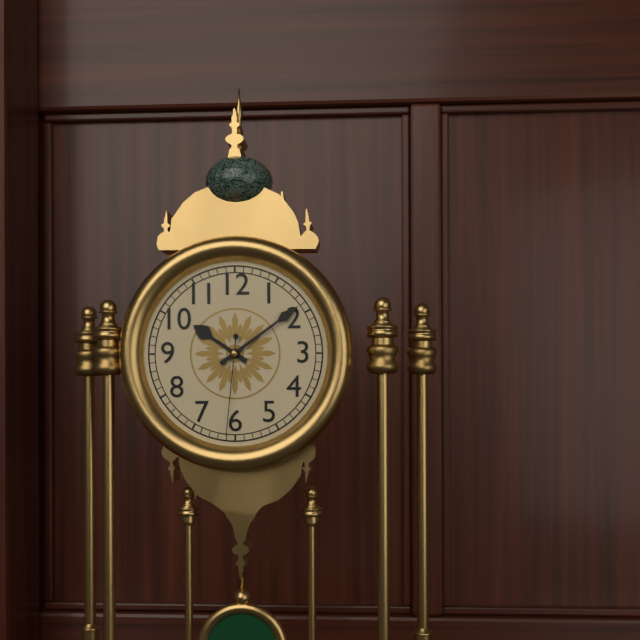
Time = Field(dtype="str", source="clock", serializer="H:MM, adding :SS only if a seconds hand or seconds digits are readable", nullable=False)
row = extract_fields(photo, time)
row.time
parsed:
10:09:31
